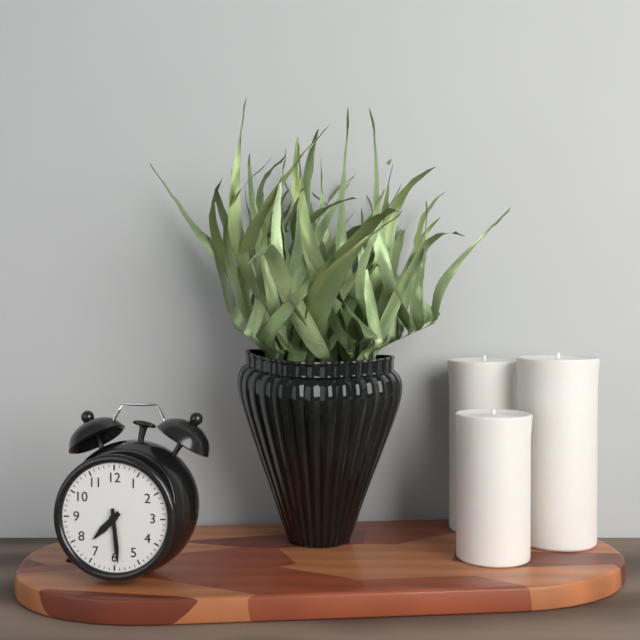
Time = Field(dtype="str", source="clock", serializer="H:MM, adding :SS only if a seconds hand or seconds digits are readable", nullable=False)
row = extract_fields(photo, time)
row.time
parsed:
7:29
